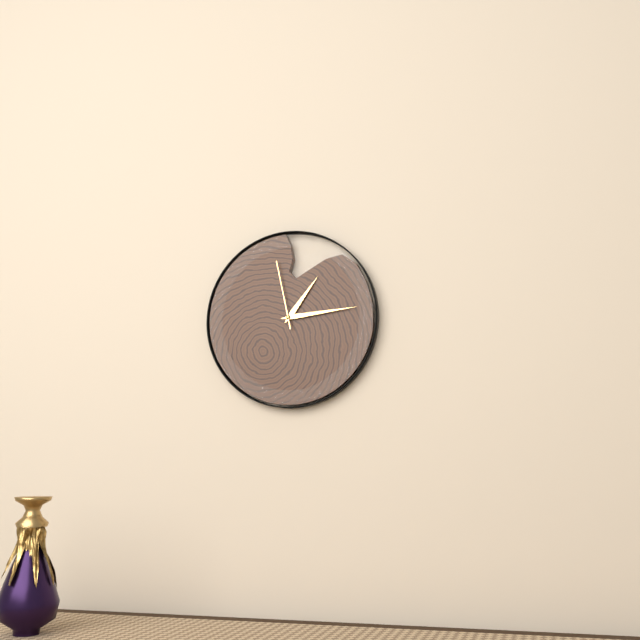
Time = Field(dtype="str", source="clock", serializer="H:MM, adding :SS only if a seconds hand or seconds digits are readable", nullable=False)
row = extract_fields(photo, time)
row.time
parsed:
1:14:58
